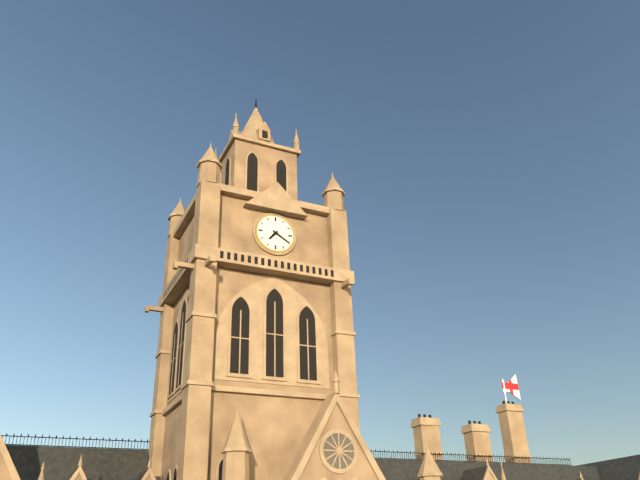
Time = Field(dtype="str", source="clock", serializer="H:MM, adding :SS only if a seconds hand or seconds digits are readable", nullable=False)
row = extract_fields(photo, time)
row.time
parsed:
7:20
